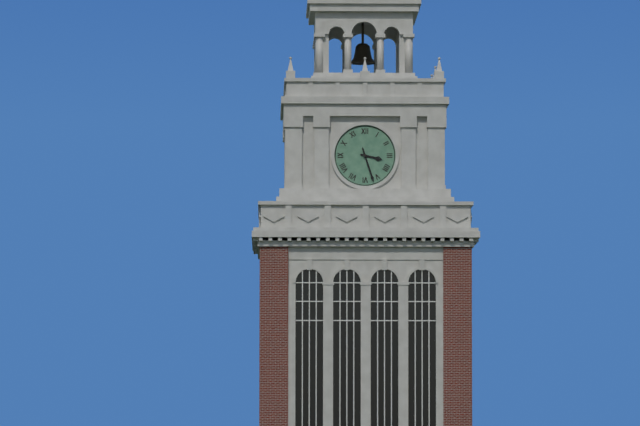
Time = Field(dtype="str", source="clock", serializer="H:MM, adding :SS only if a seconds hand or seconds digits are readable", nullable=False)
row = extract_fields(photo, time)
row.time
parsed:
3:27
